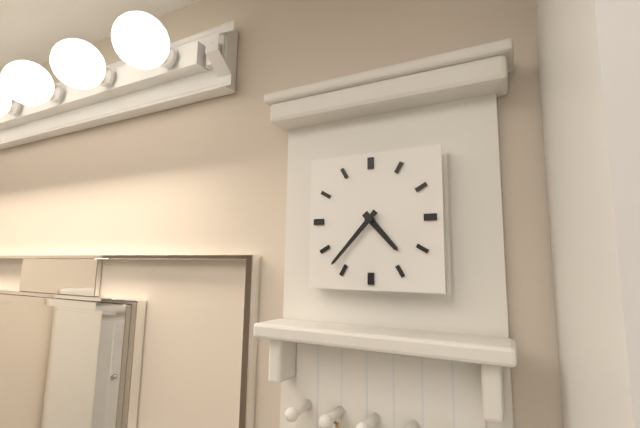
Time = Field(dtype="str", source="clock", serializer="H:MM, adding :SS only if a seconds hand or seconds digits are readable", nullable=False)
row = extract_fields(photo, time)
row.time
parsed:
4:37
